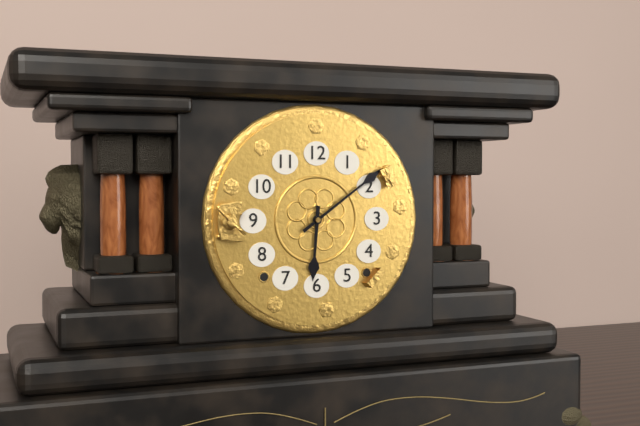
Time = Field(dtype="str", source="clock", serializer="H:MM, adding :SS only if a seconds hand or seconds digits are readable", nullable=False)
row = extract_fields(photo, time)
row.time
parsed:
6:09
